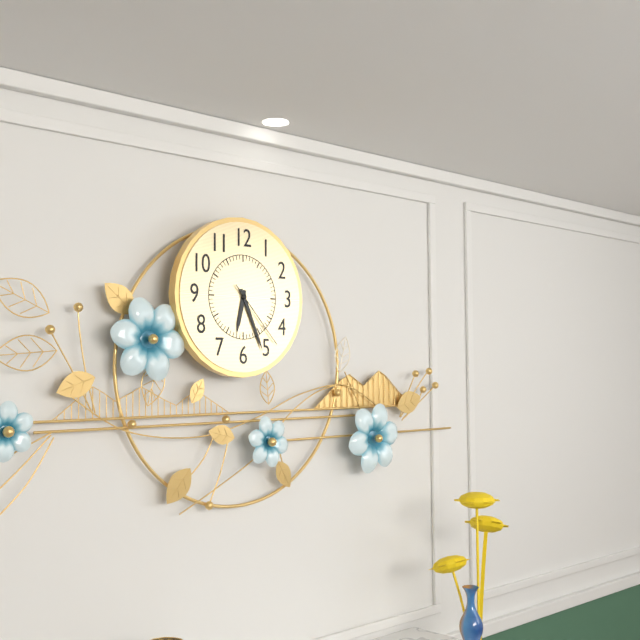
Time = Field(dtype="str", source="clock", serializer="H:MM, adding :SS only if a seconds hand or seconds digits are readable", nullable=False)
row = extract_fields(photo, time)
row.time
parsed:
6:26:23
